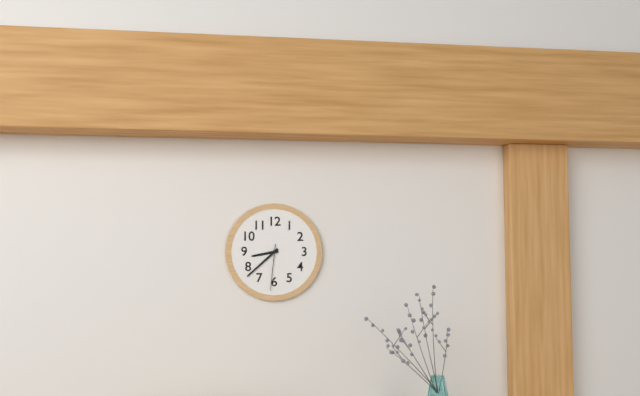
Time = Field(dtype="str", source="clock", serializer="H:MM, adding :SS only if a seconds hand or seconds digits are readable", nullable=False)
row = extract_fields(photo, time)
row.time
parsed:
8:38
